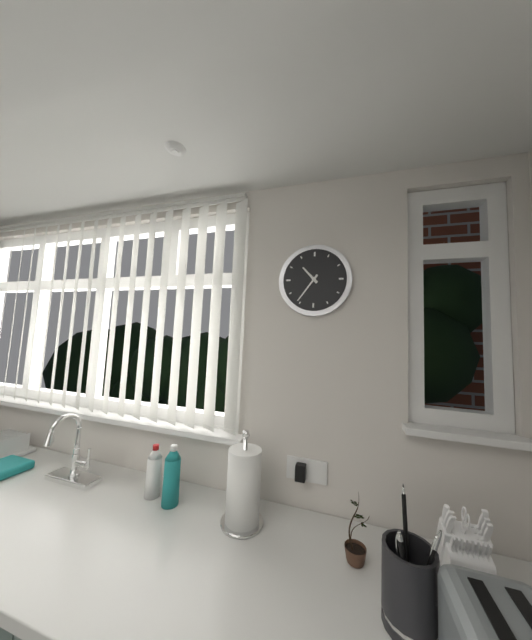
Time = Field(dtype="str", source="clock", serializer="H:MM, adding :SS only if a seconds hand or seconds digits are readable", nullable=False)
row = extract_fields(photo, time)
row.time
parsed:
10:36
